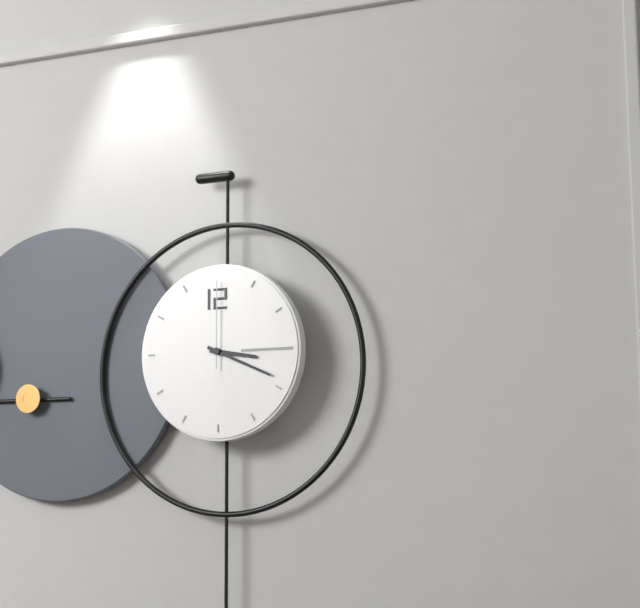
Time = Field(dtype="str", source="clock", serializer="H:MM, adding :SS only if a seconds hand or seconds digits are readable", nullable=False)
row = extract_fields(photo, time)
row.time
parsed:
3:19:00
